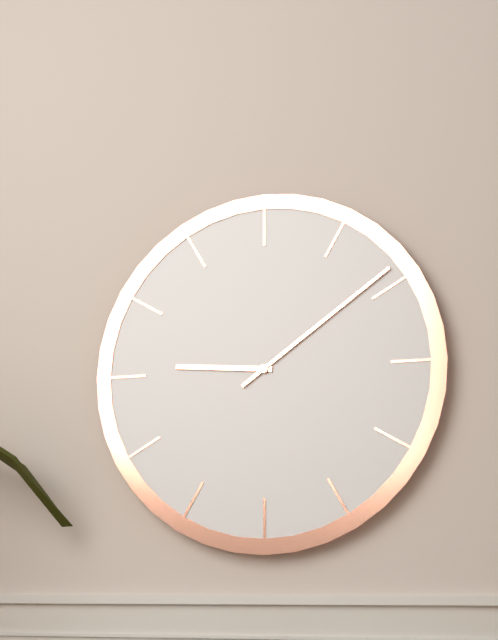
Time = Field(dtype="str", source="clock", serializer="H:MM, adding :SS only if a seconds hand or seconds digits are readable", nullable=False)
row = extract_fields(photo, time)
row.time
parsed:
9:09
